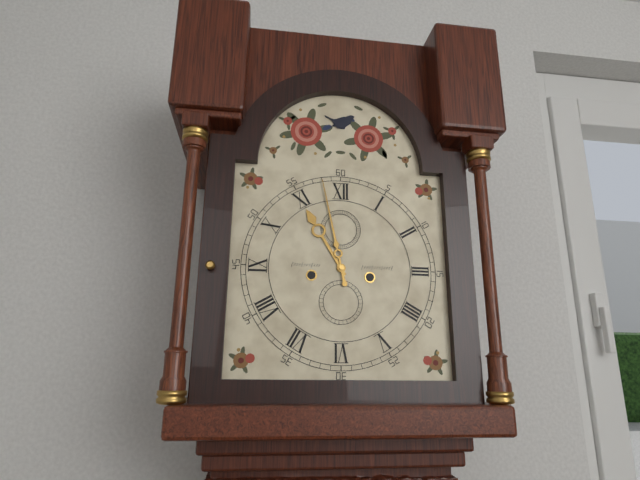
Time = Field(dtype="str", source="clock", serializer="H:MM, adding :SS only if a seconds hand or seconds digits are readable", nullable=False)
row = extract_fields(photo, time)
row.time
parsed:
10:58
